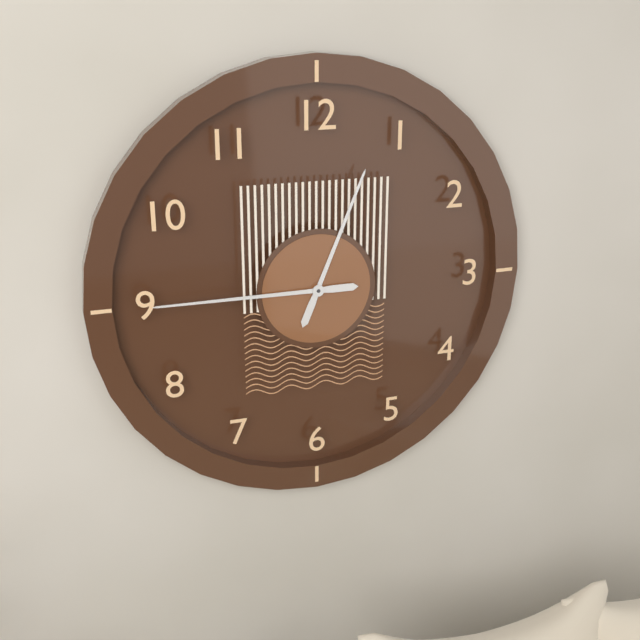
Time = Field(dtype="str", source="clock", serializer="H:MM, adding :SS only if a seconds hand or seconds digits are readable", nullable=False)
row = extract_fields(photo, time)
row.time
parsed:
12:45
